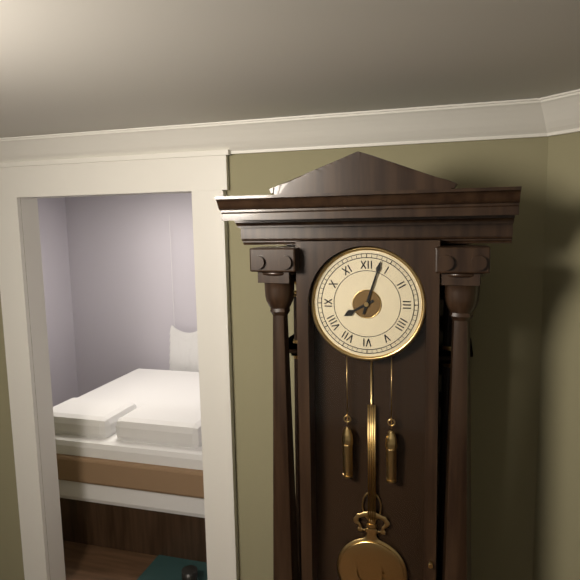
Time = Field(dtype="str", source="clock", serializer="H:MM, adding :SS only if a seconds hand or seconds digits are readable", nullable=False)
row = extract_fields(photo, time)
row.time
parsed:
8:03
